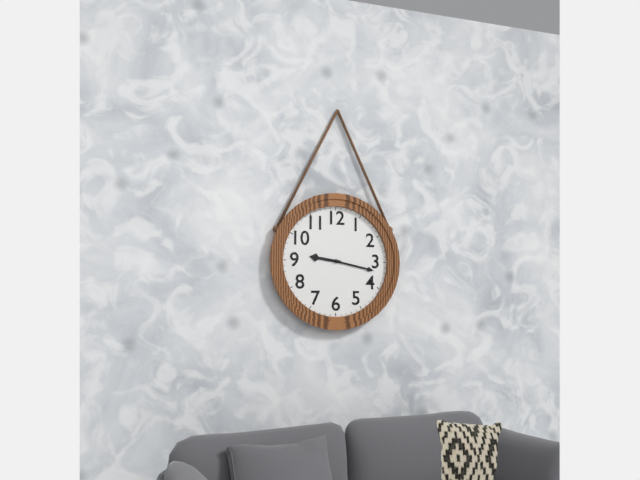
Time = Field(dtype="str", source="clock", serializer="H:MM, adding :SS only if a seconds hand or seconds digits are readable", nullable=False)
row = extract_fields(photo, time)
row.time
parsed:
9:17
